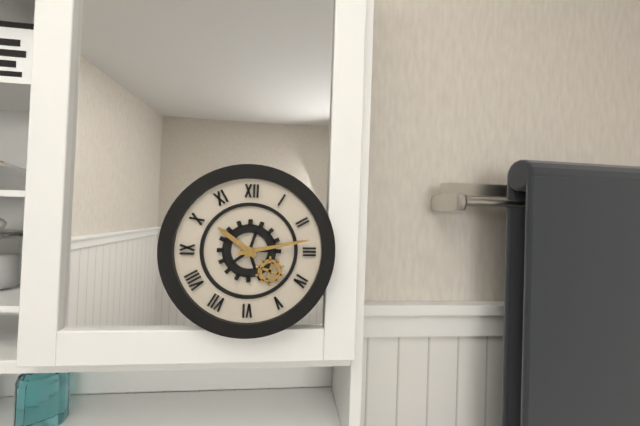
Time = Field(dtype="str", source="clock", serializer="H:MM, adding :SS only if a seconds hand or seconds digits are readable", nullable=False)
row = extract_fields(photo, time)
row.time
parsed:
10:13
